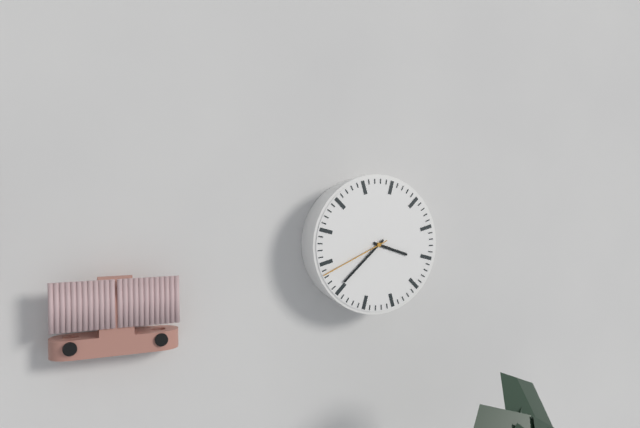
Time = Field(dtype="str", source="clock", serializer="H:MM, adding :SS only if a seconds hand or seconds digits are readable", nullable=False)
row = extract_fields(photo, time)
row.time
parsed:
3:38:41
